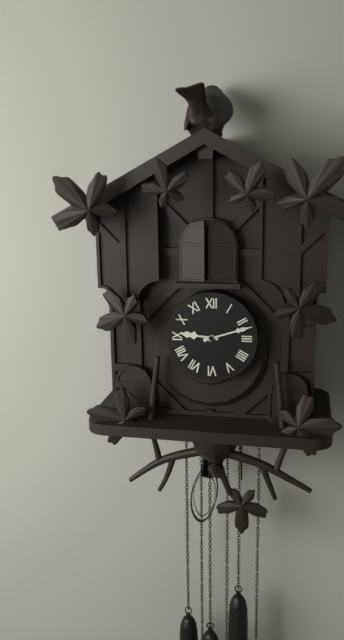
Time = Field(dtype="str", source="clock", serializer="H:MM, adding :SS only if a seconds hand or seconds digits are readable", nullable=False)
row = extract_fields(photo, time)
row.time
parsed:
9:12
